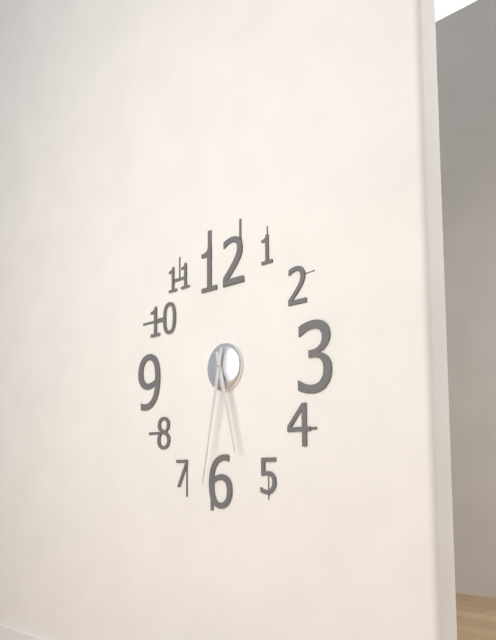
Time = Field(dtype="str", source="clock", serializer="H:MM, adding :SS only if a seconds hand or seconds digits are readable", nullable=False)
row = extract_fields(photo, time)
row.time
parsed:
5:32
